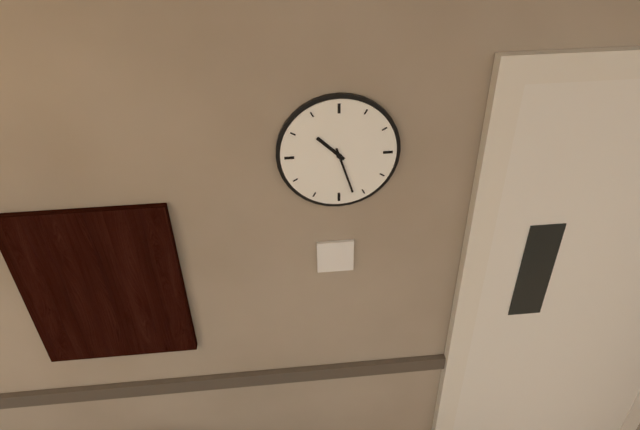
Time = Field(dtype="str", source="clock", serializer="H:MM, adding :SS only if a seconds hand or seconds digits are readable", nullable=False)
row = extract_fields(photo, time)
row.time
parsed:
10:27
